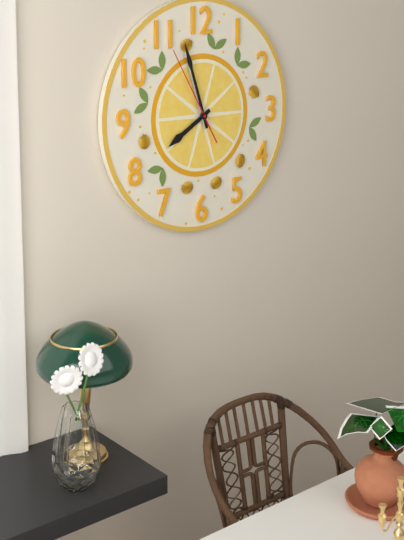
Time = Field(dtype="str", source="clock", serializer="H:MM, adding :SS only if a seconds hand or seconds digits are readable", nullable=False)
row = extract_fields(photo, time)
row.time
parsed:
7:57:55
